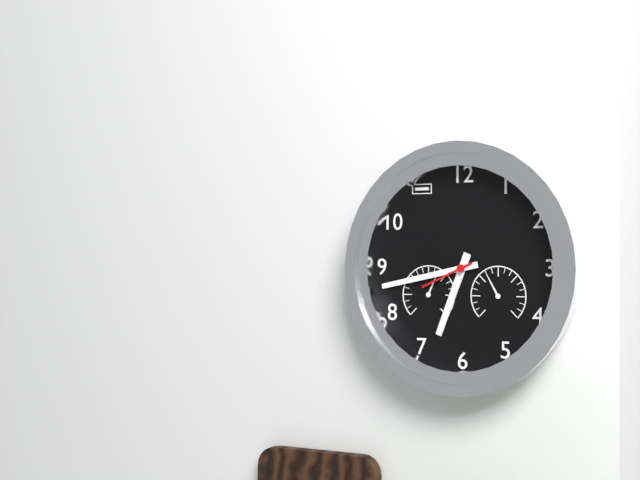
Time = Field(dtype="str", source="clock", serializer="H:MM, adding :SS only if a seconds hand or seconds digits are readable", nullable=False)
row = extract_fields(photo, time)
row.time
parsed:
6:43:41
